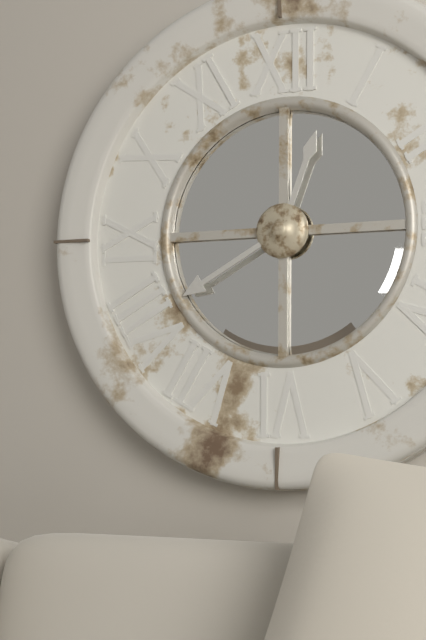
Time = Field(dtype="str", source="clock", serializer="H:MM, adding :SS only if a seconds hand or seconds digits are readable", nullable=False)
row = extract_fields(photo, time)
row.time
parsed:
12:40
